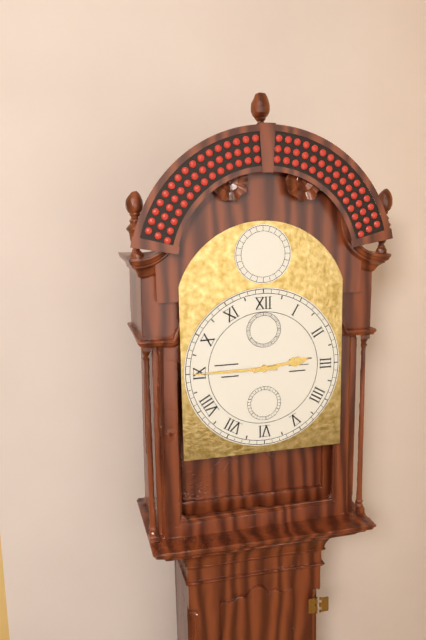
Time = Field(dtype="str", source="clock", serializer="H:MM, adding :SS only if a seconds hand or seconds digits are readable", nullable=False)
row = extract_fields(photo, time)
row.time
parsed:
2:45
